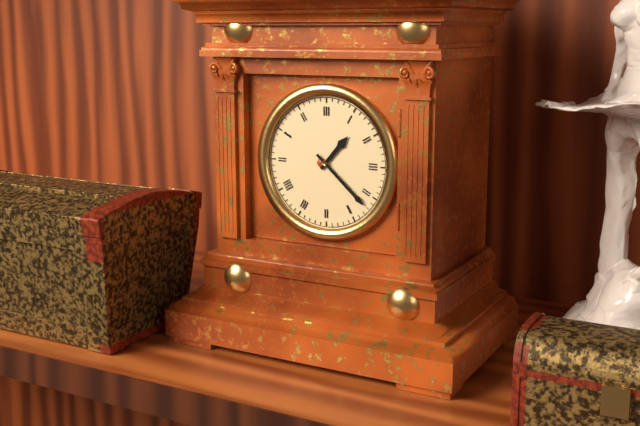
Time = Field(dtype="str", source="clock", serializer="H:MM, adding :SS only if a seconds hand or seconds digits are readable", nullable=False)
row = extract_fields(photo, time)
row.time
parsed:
1:22
